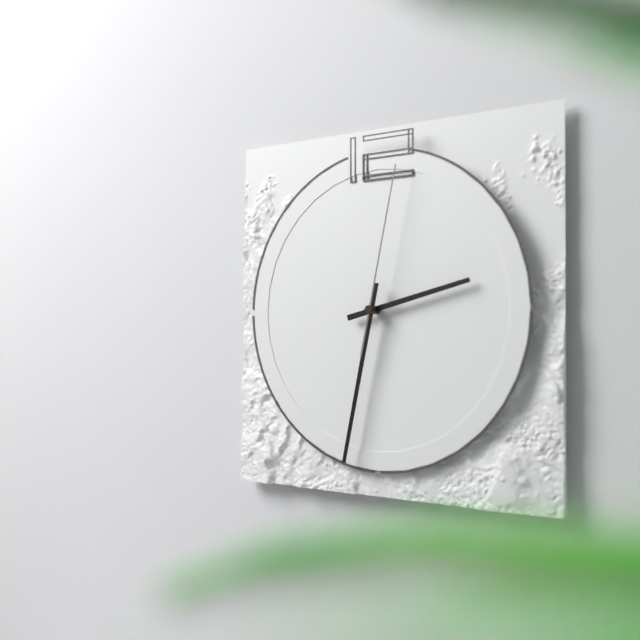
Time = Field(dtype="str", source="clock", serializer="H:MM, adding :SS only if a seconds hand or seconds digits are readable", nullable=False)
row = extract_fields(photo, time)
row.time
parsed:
2:32:02
